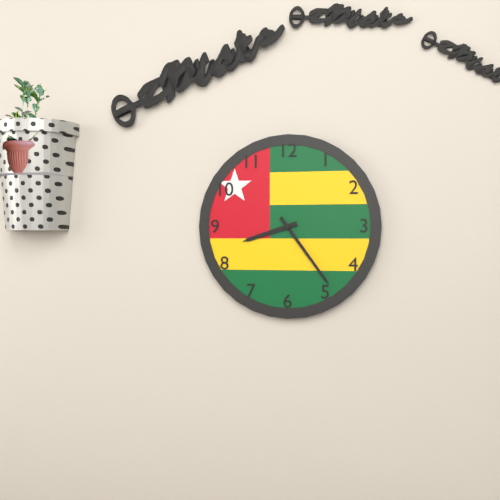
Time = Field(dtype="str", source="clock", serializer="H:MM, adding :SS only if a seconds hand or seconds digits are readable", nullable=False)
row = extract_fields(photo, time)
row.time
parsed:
8:24
